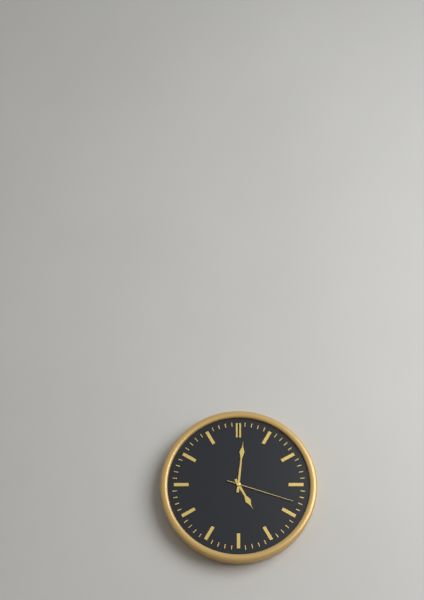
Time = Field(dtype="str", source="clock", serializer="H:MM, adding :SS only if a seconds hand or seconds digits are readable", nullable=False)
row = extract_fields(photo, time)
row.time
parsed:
5:01:18
